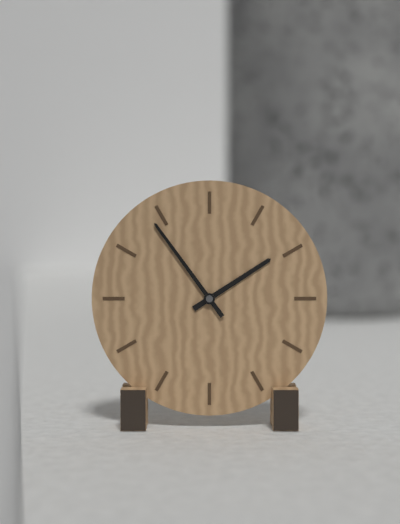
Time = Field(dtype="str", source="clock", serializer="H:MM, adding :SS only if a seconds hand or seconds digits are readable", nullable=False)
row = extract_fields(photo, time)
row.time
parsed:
1:54
